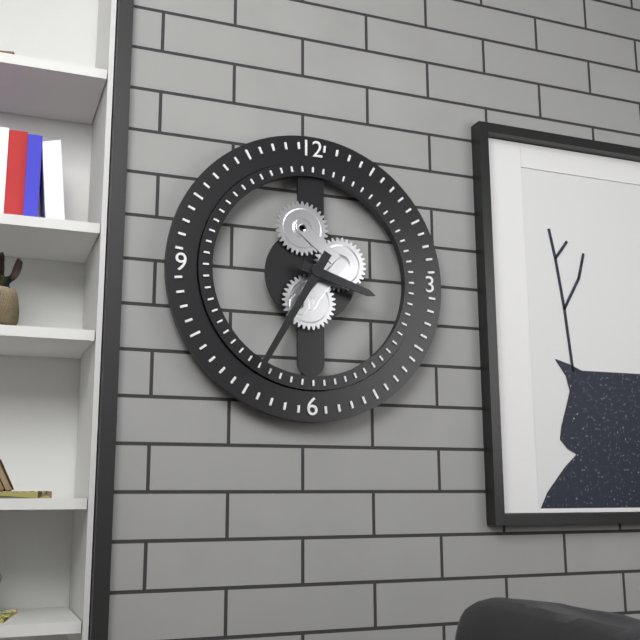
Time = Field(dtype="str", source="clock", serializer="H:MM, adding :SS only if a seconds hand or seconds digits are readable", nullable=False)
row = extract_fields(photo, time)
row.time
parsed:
3:35
